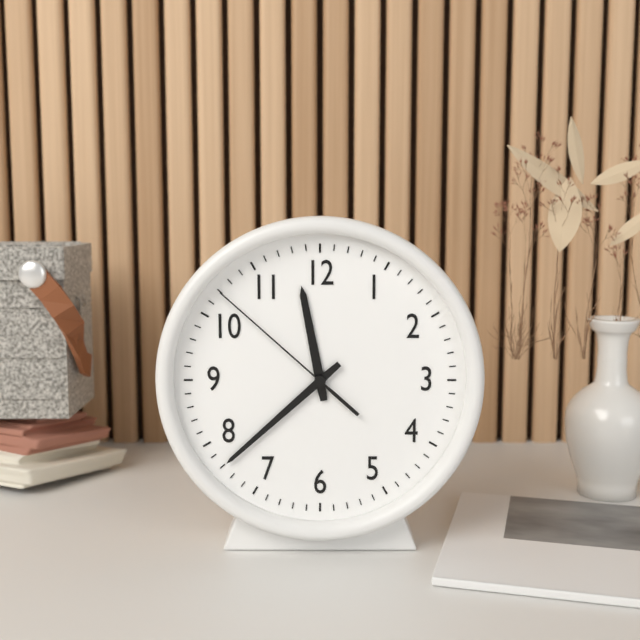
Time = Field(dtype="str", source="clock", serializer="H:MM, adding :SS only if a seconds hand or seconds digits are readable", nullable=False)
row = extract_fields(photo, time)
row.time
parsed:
11:38:52
